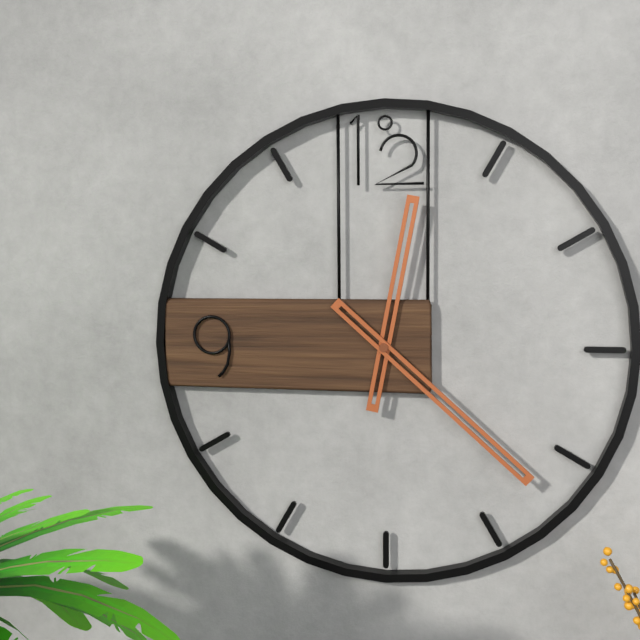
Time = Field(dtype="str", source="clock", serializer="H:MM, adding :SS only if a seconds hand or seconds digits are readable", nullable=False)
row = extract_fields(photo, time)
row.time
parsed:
12:22
